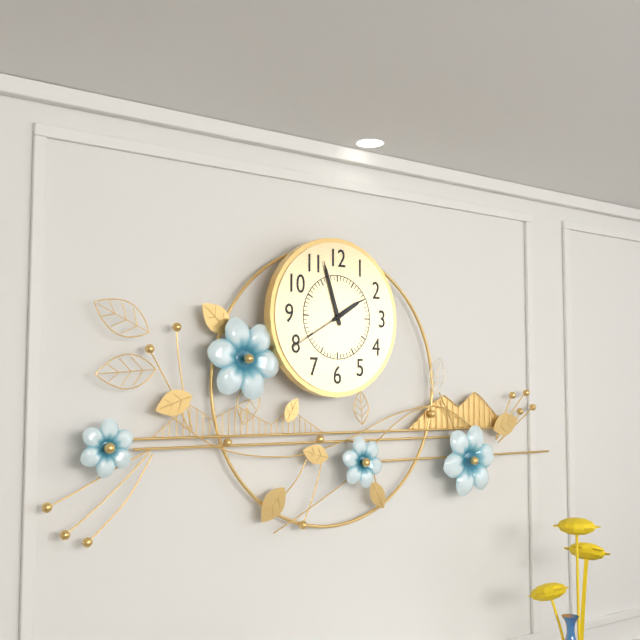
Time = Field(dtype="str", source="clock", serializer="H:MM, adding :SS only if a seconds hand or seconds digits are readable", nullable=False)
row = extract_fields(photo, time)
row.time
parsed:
1:57:40
